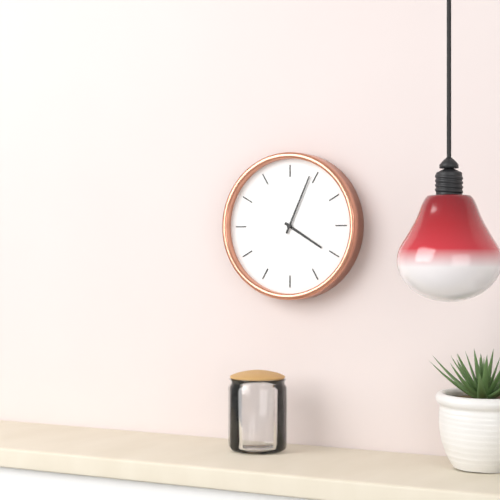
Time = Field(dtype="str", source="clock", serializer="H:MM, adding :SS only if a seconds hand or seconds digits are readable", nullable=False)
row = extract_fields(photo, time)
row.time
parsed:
4:04
